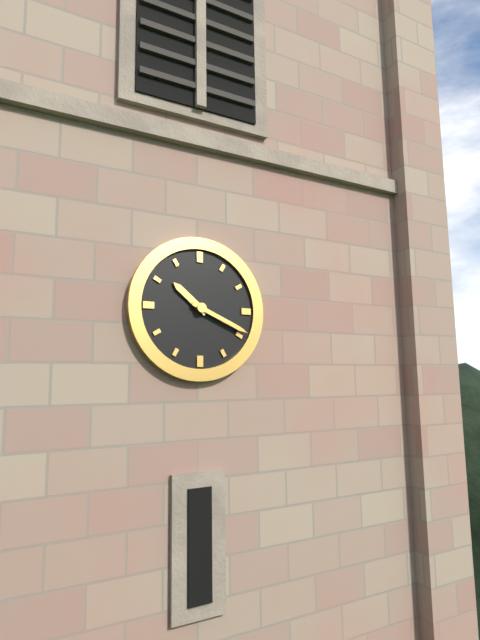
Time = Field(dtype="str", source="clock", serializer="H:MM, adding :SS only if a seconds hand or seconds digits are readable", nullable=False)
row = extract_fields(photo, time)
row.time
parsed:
10:19
